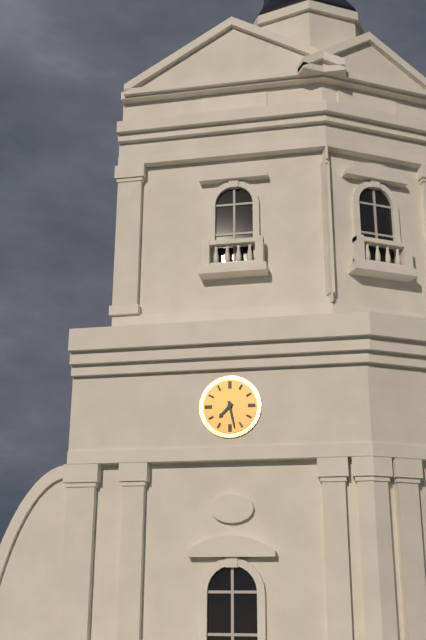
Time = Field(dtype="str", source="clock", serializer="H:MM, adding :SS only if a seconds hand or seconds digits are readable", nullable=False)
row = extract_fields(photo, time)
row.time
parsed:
7:28
